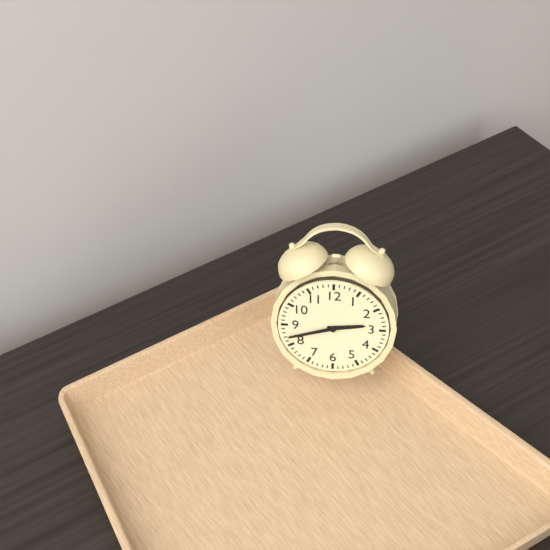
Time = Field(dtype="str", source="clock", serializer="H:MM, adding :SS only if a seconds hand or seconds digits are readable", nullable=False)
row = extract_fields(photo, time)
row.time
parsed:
2:42
